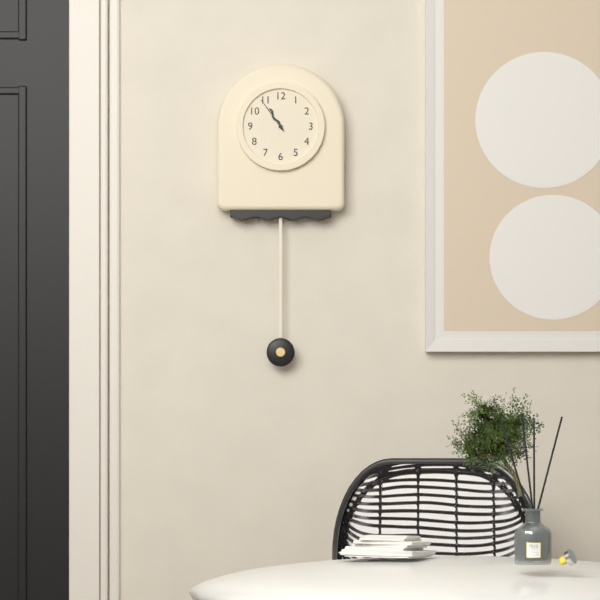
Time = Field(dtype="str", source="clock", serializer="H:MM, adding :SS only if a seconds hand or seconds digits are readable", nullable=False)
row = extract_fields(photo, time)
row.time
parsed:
10:54
